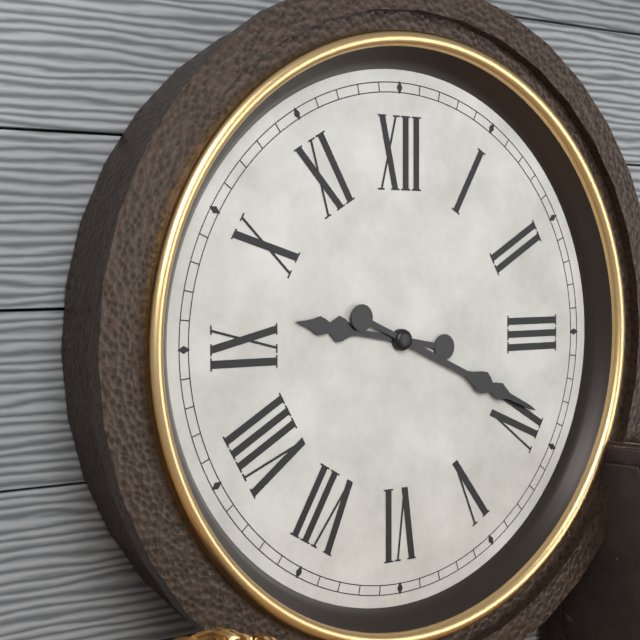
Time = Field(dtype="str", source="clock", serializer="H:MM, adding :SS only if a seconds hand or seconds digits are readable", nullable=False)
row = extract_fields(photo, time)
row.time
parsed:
9:19
